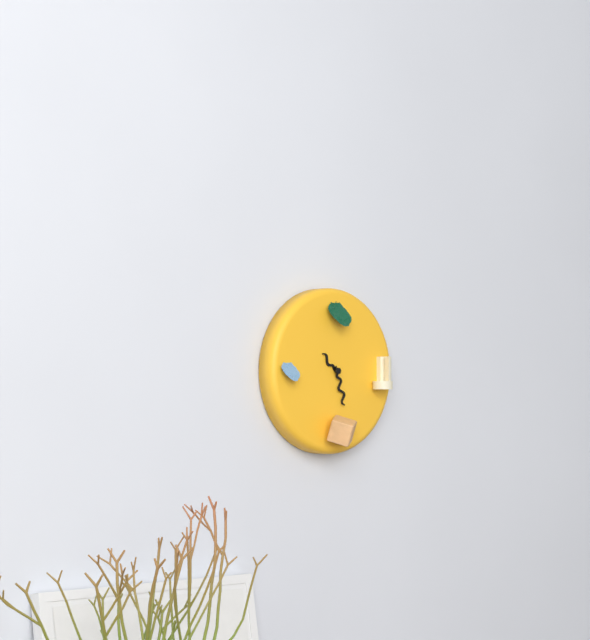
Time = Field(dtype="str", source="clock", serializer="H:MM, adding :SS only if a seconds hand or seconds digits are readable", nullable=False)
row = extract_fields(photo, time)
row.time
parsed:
10:27
